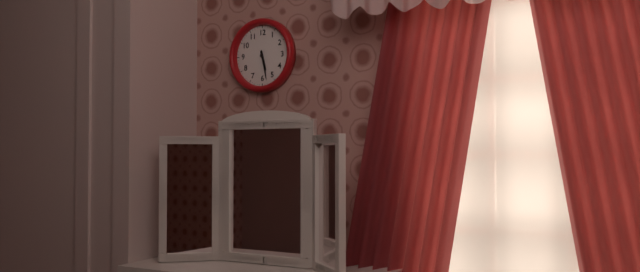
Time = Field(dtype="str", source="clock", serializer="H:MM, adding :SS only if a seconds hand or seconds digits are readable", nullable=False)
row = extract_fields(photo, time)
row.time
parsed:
5:28
